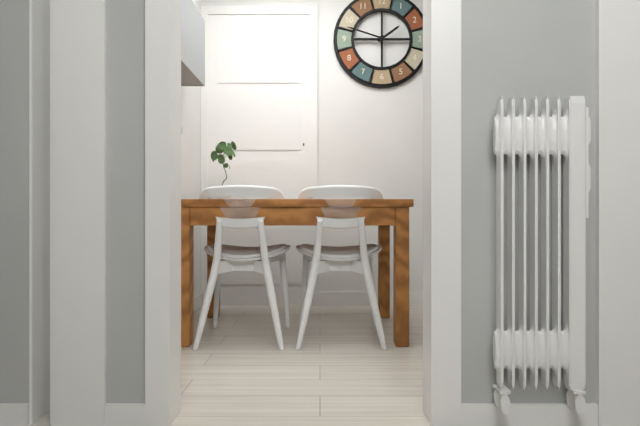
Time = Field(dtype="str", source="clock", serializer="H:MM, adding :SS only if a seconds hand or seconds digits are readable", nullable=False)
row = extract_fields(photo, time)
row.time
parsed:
1:48
